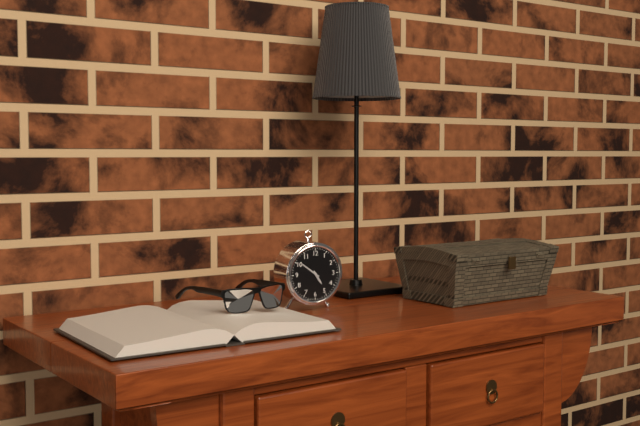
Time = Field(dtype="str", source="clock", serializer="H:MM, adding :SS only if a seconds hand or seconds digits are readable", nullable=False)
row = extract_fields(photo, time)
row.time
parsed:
4:51
